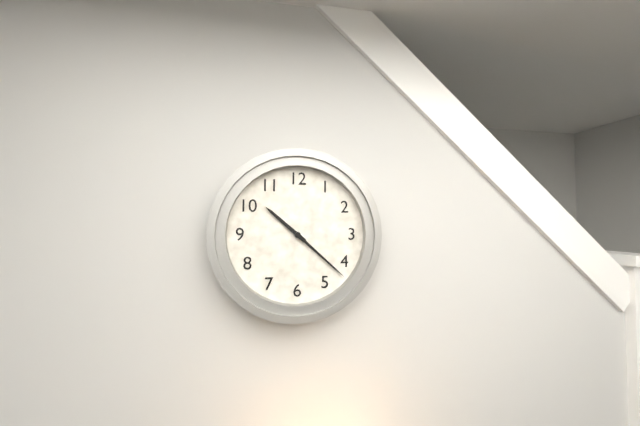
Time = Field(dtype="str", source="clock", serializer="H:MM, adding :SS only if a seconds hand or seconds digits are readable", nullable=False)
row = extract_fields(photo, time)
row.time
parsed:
10:22
